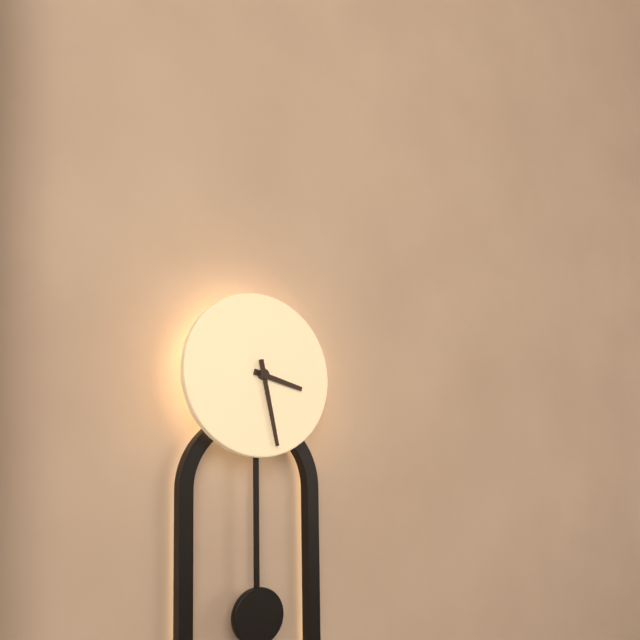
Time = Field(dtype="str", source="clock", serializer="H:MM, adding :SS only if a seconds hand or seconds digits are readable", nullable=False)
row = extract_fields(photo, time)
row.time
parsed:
3:28
